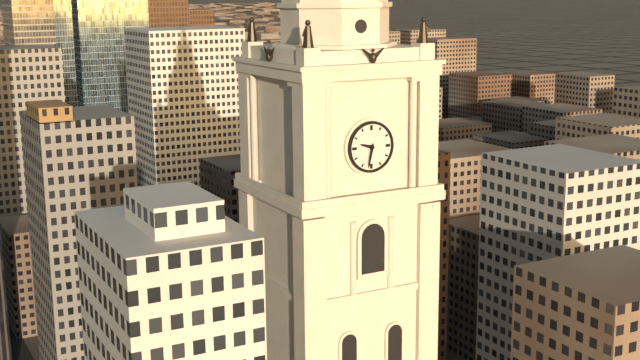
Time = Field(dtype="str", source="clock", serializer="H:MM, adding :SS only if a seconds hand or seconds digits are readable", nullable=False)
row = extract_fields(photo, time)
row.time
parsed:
9:32
